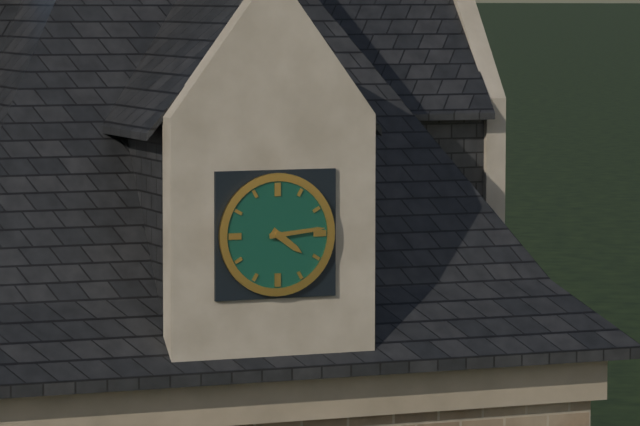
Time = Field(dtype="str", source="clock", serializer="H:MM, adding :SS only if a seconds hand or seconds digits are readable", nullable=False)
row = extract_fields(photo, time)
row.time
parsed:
4:14
